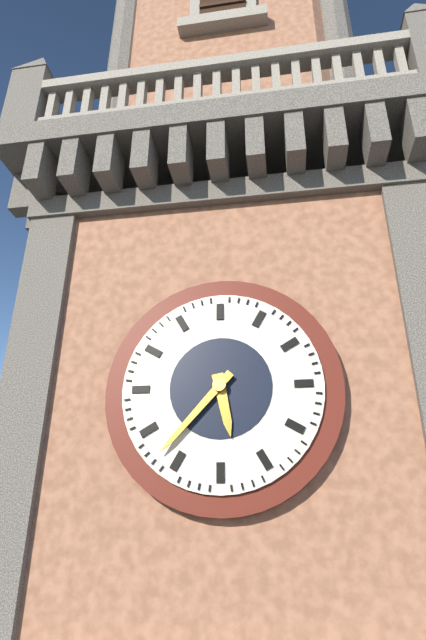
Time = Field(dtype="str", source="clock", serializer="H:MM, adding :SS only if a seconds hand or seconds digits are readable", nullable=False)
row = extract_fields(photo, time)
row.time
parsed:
5:37
